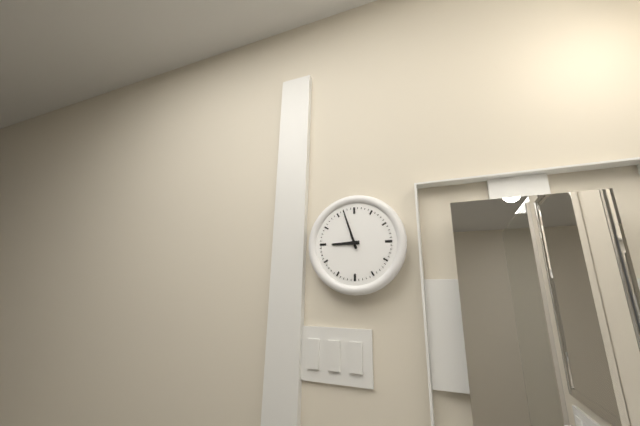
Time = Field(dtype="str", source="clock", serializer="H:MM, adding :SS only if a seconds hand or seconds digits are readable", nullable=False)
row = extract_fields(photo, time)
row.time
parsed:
8:57
